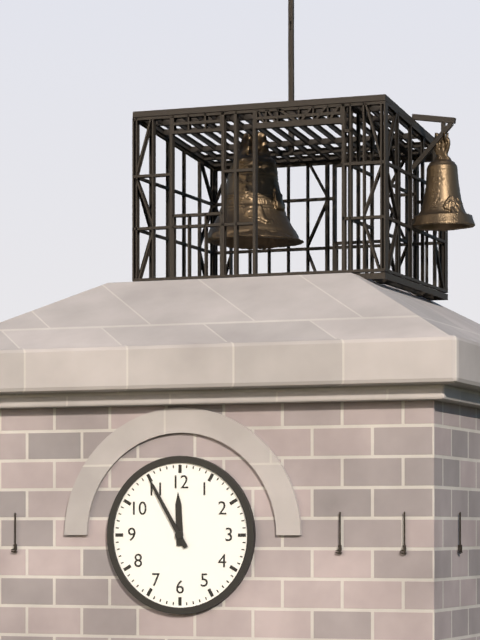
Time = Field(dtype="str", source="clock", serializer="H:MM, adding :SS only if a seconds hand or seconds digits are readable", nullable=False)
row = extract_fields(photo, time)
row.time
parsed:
11:55
